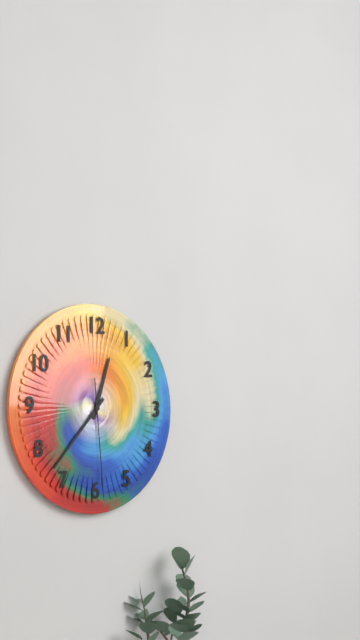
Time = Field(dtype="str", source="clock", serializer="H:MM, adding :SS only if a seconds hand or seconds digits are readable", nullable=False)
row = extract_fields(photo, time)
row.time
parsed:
12:37:29
